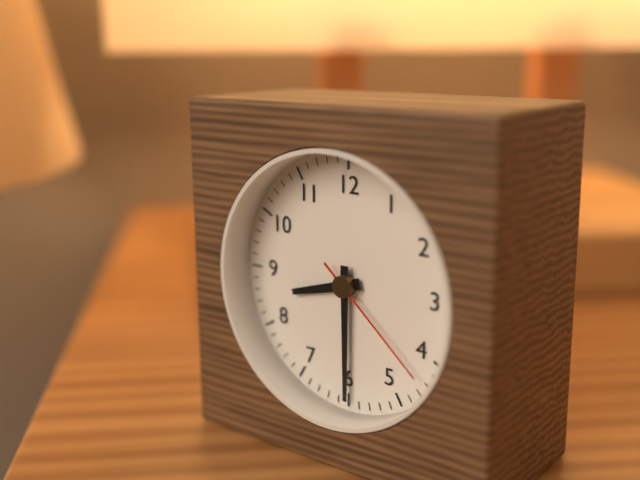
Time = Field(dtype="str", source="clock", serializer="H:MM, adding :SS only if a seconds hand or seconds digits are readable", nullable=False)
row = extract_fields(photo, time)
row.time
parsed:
8:30:22
